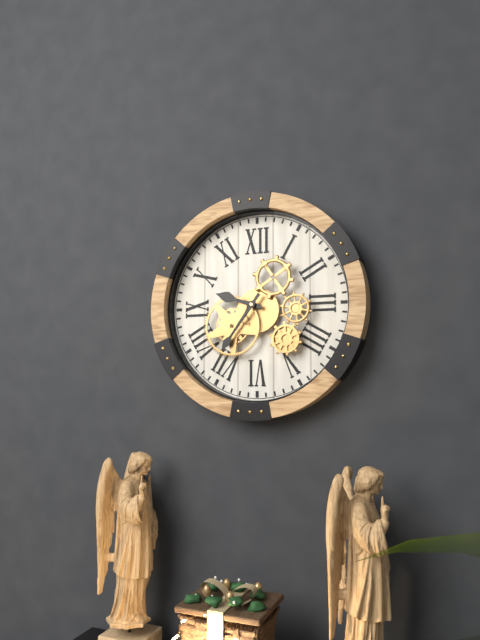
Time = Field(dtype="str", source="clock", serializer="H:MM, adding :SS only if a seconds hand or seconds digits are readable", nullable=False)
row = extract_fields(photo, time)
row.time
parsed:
9:36
